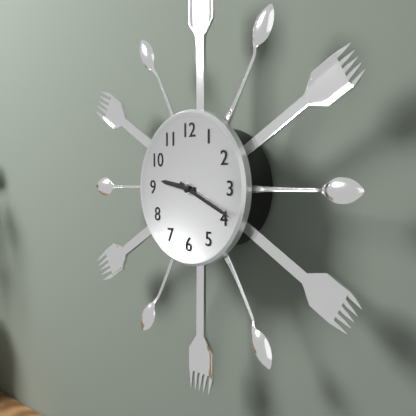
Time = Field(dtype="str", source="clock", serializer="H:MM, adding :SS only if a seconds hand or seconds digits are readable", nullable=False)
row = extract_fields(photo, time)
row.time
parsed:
9:19
